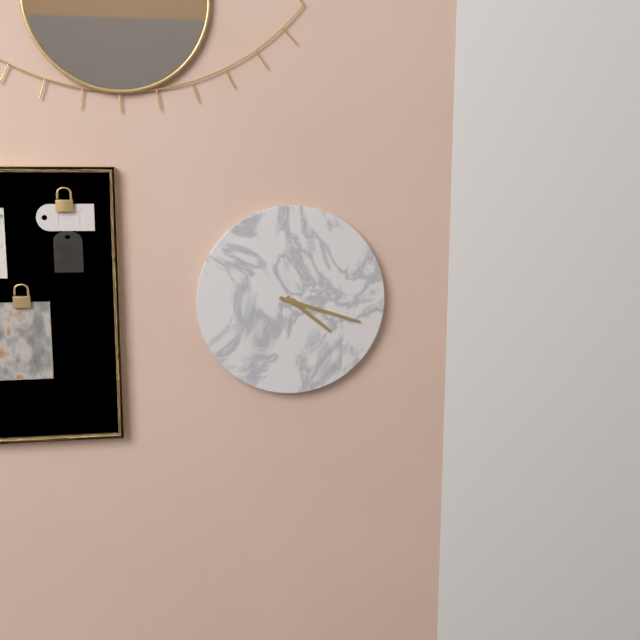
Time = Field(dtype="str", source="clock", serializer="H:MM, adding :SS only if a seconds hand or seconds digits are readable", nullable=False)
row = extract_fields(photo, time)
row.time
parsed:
4:18
